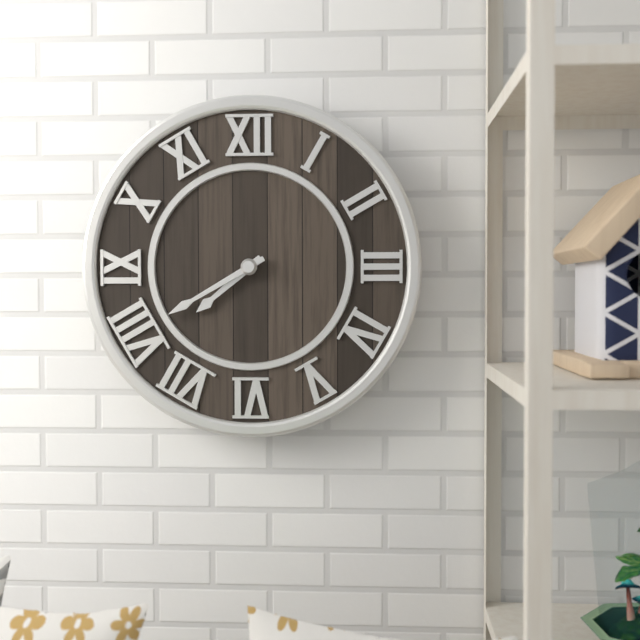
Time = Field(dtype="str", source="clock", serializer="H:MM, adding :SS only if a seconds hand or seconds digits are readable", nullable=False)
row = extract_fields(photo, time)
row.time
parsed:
7:40
